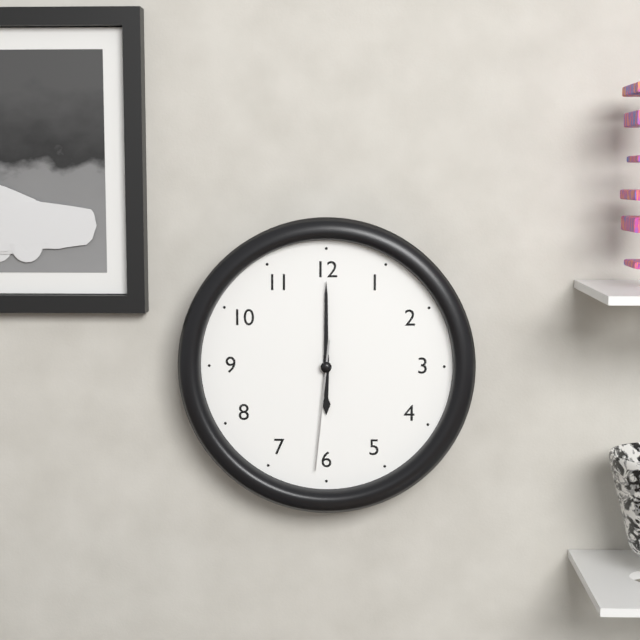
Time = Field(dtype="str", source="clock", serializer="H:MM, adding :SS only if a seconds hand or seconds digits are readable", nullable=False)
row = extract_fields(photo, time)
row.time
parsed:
6:00:31
